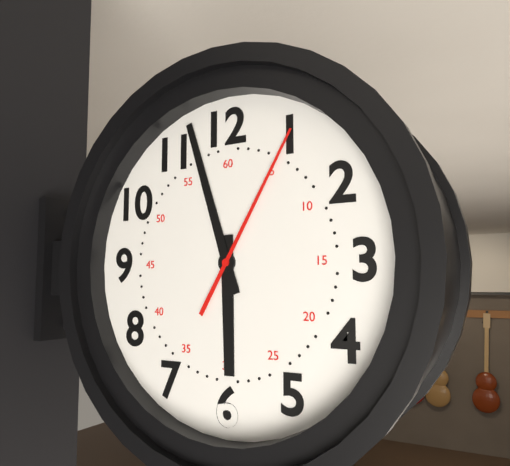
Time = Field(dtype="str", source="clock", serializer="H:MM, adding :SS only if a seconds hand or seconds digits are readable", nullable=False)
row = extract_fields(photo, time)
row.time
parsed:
5:57:05
